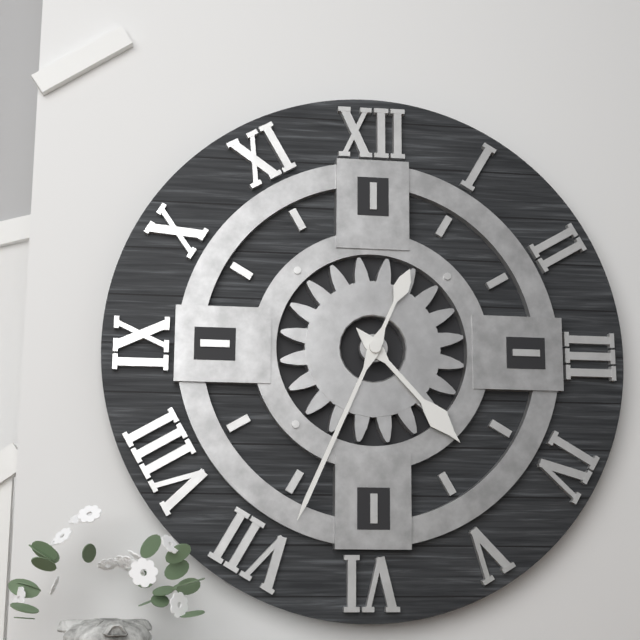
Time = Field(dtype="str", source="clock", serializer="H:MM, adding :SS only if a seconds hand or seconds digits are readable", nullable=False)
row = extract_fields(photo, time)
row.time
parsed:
4:34
